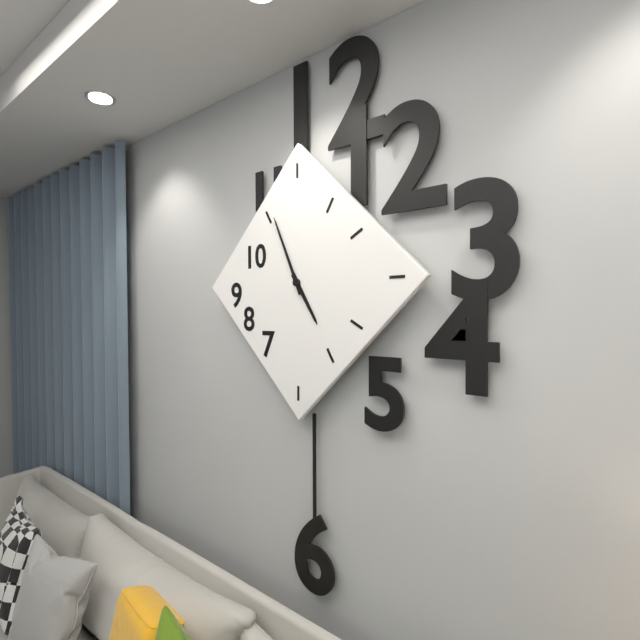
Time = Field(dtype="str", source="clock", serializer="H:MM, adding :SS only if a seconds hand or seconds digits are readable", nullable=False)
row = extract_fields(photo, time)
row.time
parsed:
4:56
